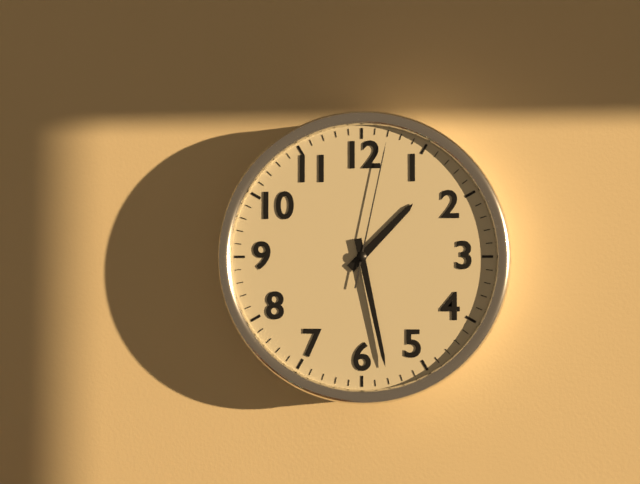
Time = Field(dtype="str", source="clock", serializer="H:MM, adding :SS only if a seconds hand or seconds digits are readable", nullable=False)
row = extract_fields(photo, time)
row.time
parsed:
1:28:02
